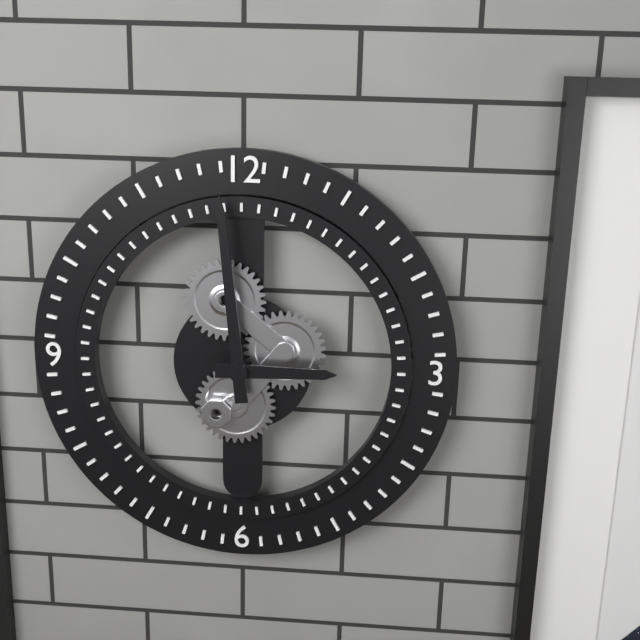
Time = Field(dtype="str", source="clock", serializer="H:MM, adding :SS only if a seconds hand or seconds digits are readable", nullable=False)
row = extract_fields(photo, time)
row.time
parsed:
2:59
